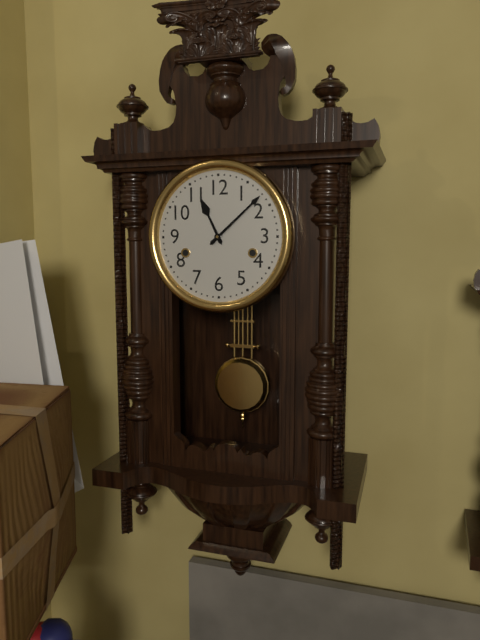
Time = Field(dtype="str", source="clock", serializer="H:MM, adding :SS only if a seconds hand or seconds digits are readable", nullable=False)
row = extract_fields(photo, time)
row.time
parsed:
11:08
